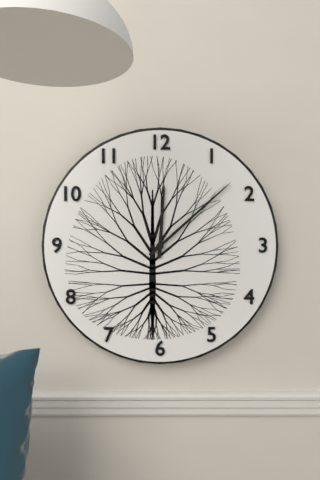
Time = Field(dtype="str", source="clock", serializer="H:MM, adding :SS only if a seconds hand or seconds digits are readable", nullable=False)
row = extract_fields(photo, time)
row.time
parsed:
12:08
